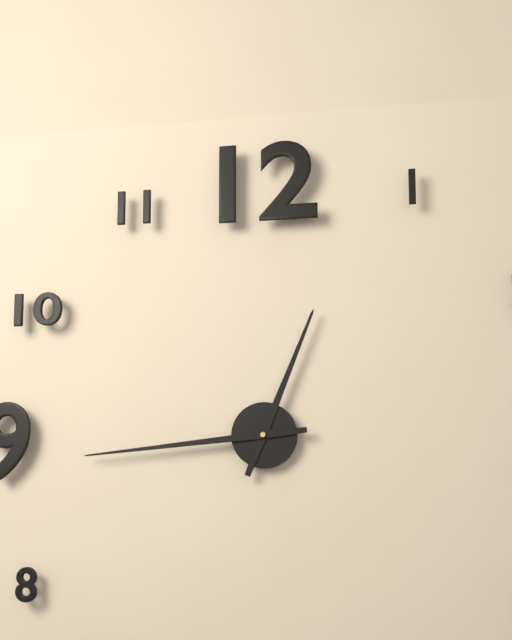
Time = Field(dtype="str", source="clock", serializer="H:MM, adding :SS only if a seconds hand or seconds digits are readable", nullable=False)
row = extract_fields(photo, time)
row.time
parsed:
12:44
